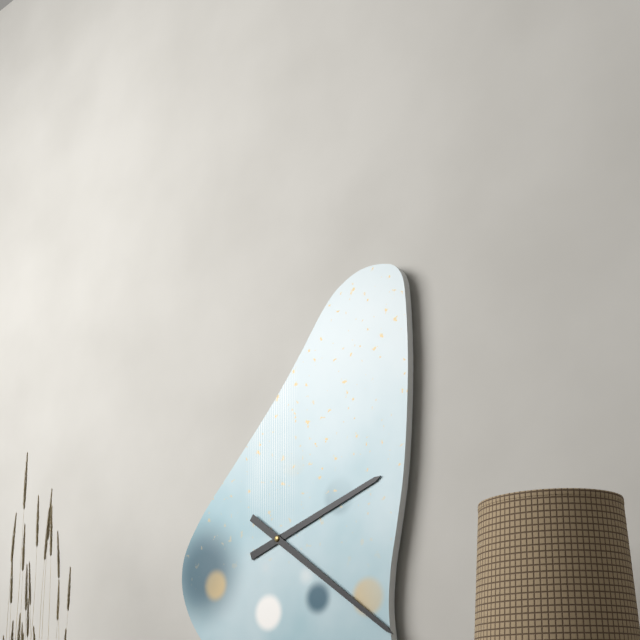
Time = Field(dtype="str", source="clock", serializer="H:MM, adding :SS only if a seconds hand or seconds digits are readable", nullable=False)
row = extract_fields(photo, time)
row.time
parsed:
2:21
